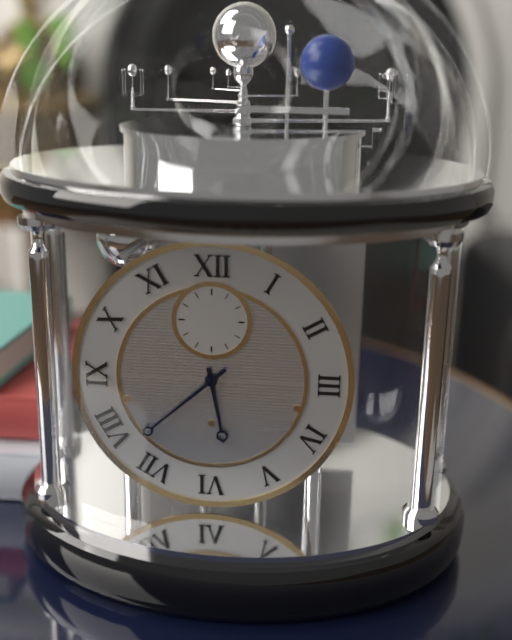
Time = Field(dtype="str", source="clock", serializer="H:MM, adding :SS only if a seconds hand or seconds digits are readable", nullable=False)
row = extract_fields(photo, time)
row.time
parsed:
5:38
